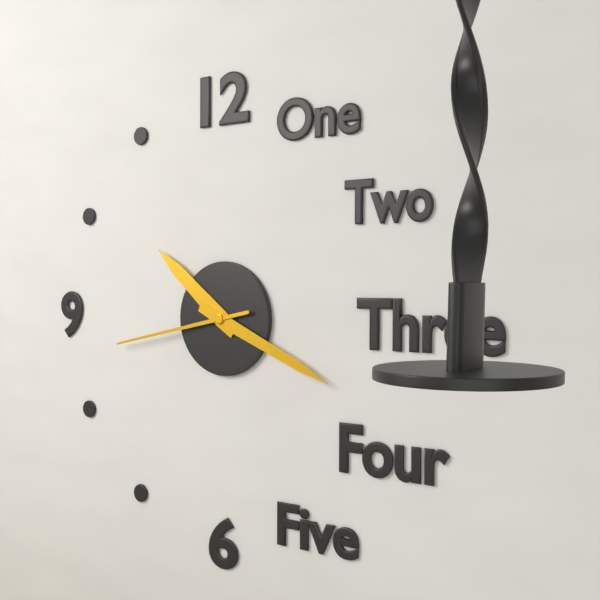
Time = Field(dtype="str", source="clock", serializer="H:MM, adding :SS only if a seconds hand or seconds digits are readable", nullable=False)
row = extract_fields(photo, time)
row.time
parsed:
10:19:43
